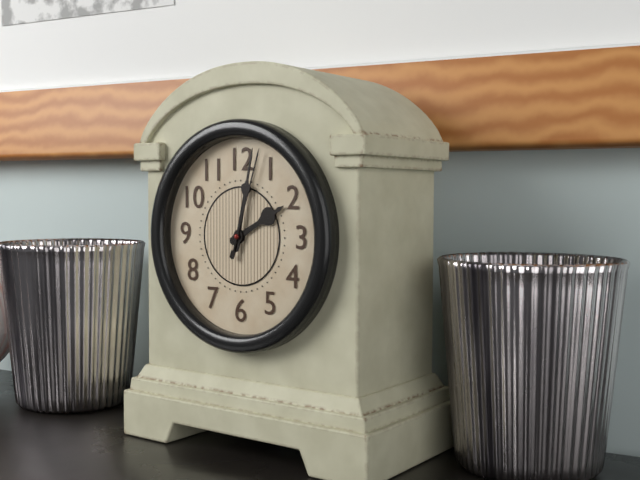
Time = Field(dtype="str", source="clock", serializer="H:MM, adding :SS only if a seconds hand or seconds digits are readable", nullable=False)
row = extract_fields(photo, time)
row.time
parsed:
2:02:03
